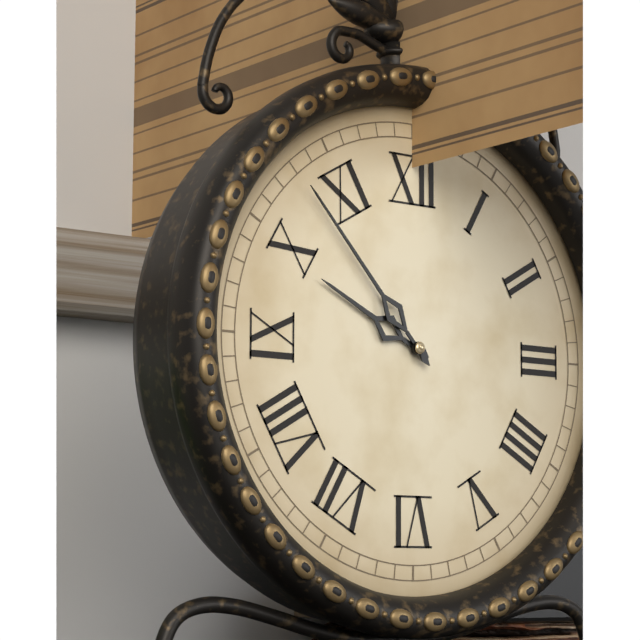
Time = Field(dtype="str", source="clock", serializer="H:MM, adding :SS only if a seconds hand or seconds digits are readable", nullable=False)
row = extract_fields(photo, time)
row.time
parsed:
9:53
